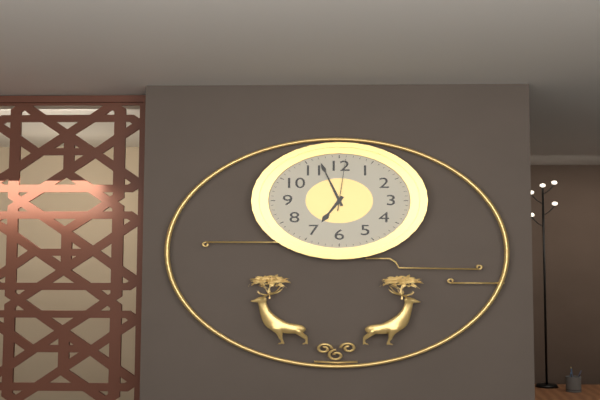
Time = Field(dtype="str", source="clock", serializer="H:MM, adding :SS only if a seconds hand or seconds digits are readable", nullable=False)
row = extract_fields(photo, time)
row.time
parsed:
6:57:01
